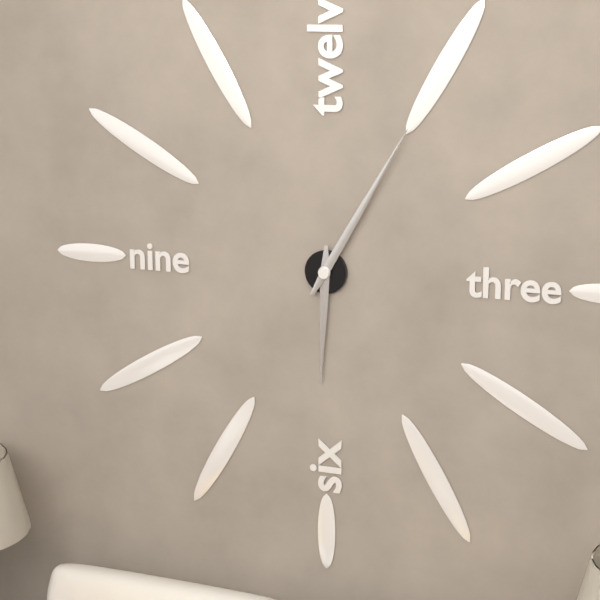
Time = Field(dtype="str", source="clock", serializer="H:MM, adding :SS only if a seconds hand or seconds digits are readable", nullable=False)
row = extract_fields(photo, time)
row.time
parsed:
6:05
